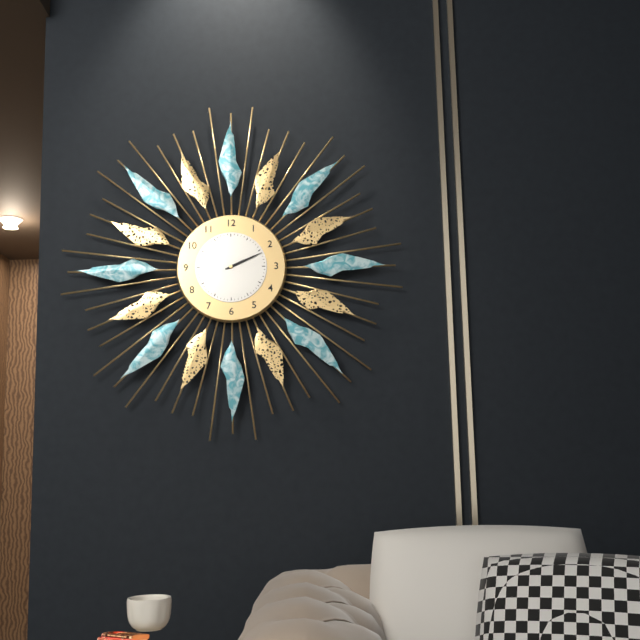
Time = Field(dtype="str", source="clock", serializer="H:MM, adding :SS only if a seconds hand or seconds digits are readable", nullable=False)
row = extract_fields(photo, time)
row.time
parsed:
2:11
